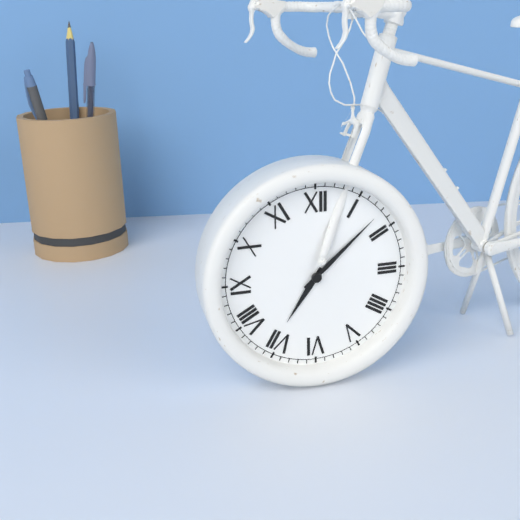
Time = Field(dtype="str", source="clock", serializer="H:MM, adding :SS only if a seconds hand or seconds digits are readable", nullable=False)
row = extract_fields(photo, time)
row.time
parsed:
7:08
